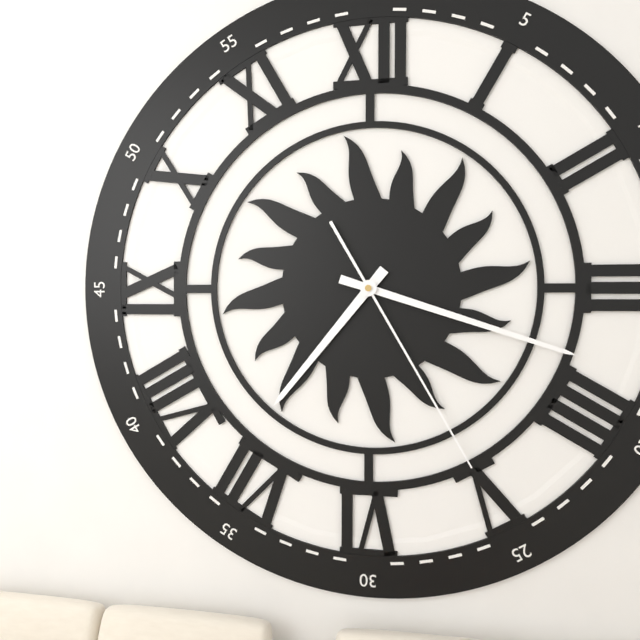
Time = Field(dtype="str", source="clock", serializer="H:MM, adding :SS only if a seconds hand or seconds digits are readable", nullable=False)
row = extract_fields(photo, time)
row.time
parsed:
7:18:25
